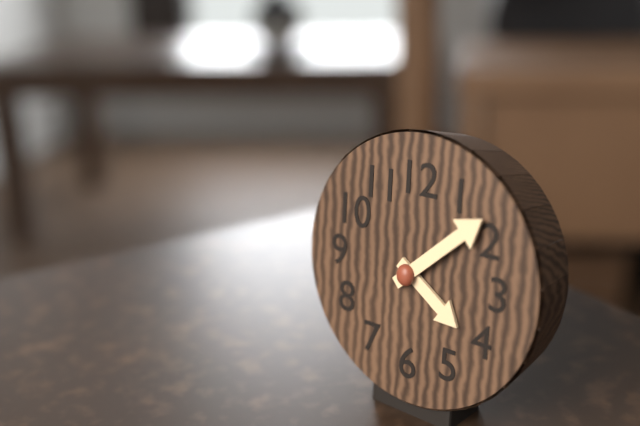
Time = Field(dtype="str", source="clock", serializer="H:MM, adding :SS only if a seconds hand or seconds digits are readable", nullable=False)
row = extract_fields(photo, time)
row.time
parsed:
4:08
